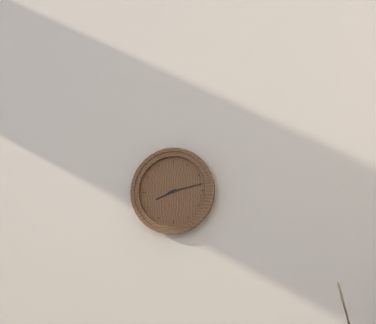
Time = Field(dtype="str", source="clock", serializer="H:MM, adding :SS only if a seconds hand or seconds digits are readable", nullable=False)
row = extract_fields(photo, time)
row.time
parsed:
8:13
